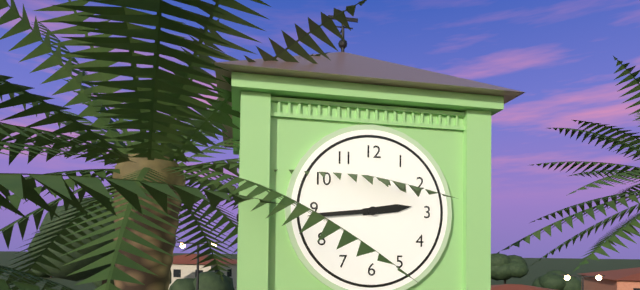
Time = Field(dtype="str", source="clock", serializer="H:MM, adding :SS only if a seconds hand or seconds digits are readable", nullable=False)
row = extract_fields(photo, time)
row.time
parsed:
2:44
